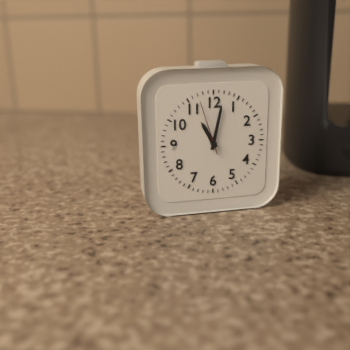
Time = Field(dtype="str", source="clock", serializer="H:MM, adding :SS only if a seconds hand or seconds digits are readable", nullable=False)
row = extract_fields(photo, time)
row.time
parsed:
11:02:57
